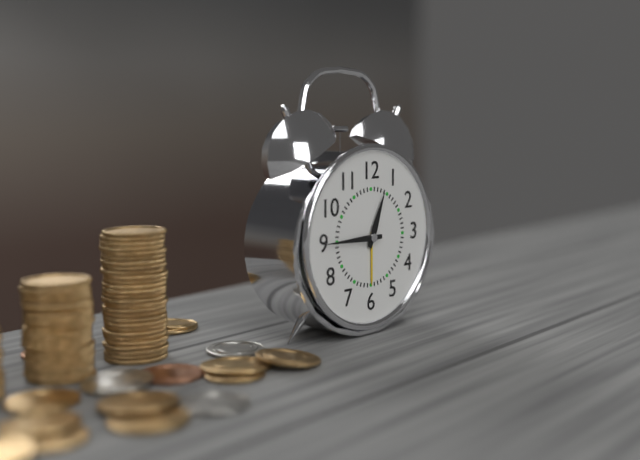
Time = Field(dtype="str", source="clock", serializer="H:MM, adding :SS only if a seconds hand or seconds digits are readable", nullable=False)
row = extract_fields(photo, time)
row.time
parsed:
12:45
